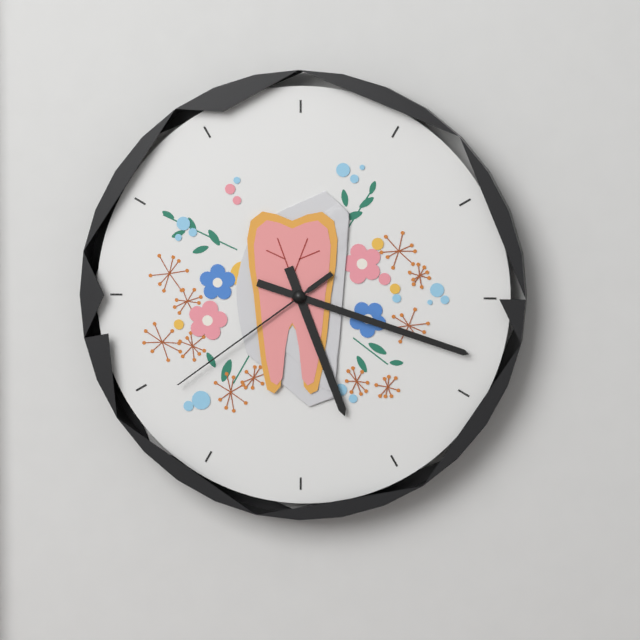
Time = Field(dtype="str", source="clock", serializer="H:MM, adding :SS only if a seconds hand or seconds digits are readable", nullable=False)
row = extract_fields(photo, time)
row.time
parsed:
5:18:39
